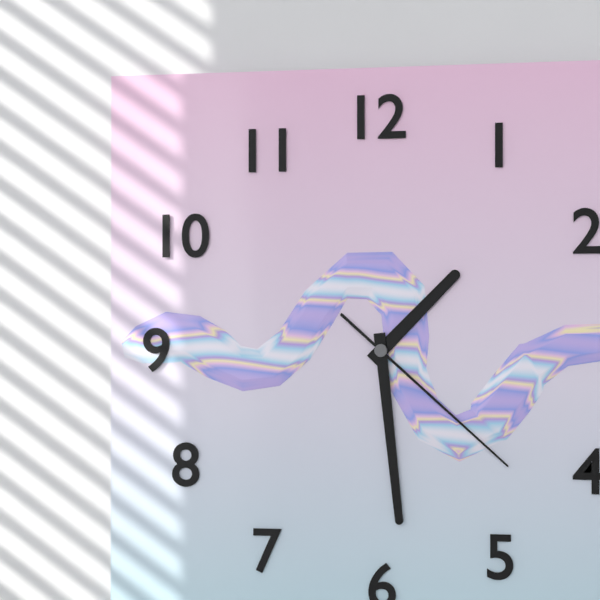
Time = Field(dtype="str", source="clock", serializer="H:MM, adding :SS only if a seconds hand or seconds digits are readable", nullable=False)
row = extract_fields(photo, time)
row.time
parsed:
1:29:22
